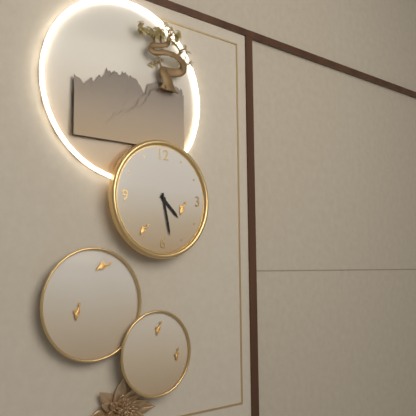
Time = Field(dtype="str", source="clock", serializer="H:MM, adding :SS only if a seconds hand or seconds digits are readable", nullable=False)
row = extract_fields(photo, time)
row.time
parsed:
4:28
